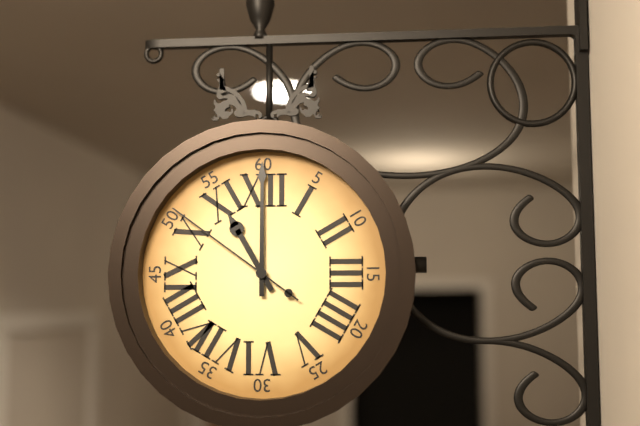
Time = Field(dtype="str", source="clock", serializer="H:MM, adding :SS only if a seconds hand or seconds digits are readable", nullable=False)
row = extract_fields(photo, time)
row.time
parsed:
11:00:51
